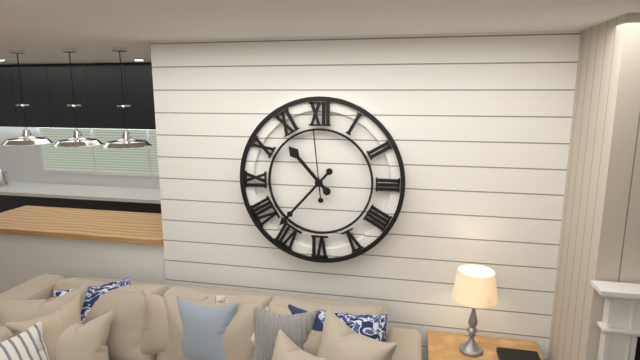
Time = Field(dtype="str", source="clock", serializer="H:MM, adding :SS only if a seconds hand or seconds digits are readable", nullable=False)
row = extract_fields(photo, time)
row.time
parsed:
10:37:59
